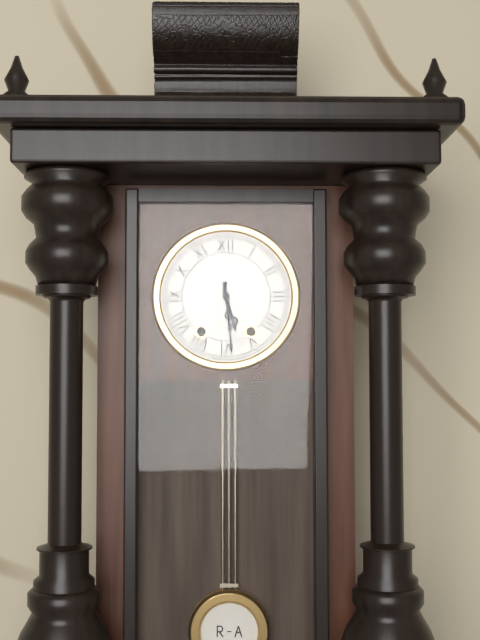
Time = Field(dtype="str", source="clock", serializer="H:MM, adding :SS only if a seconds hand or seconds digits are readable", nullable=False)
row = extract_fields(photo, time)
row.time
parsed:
5:29
